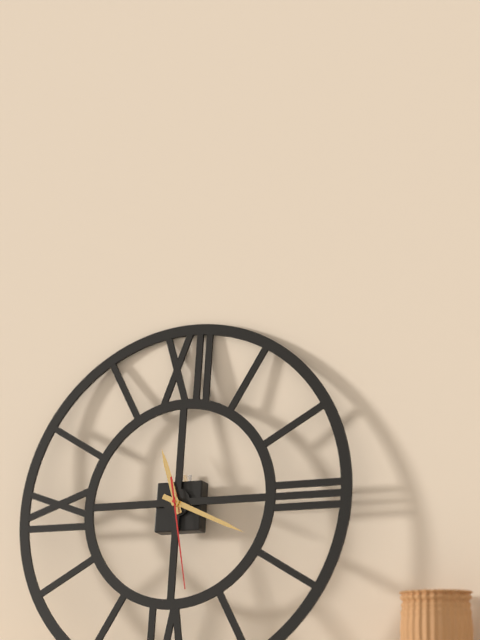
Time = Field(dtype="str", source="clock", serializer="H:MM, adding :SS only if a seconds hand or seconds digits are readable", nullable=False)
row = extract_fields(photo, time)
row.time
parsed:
11:19:28
